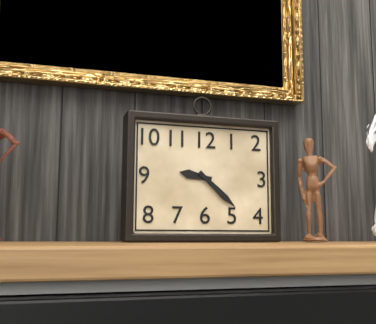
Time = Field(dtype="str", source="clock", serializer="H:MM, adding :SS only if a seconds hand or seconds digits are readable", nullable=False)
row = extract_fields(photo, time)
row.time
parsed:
9:22
